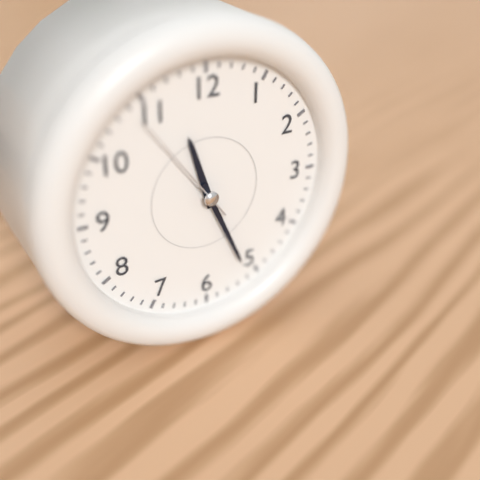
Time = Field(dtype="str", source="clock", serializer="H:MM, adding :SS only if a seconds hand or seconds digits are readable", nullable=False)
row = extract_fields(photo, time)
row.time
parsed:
11:26:54
